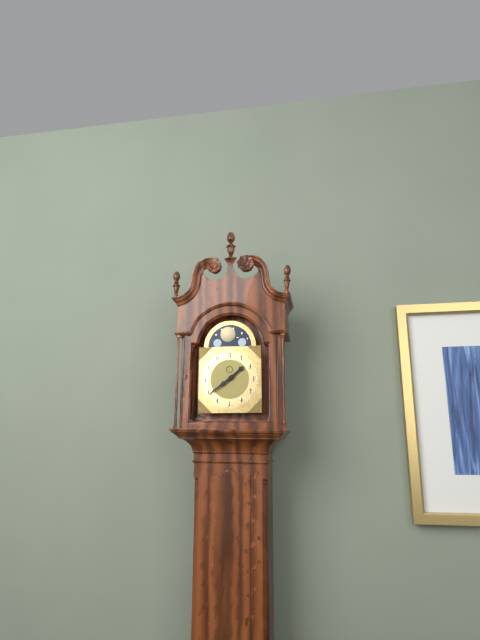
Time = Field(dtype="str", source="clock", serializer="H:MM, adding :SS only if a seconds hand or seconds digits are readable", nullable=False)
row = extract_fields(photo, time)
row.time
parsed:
1:39
